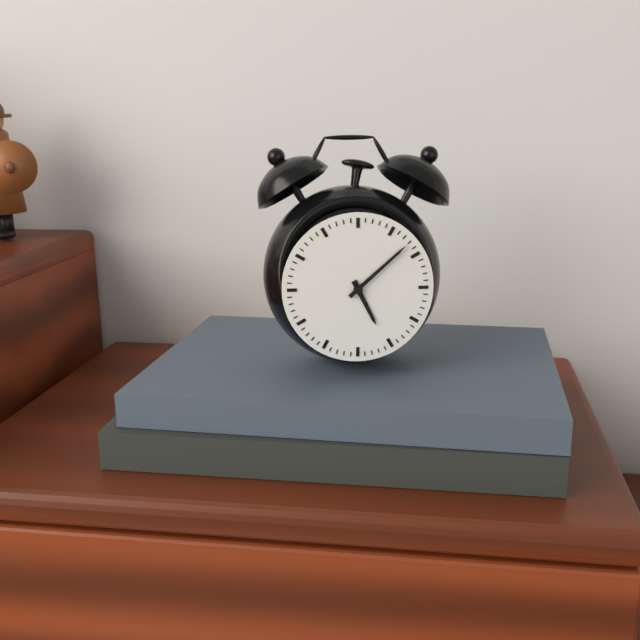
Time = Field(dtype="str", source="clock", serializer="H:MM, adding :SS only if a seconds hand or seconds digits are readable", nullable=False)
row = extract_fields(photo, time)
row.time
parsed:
5:08
